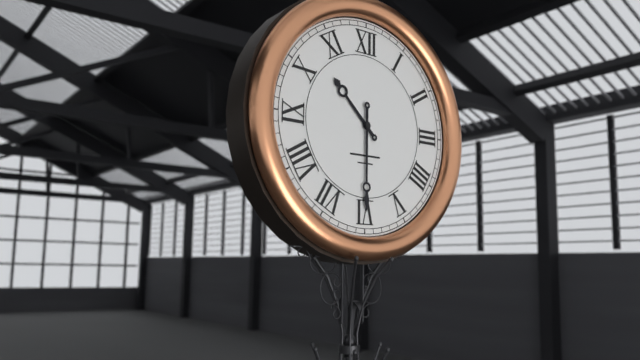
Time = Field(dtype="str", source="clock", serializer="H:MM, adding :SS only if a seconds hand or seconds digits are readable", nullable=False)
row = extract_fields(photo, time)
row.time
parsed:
10:30
